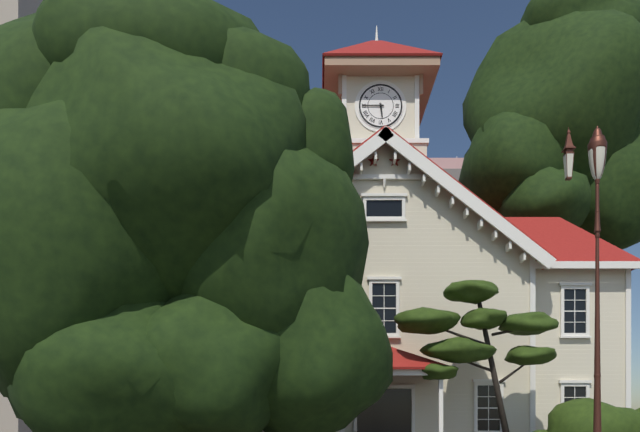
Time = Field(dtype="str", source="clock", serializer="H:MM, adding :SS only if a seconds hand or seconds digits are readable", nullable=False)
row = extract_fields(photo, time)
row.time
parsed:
5:45
